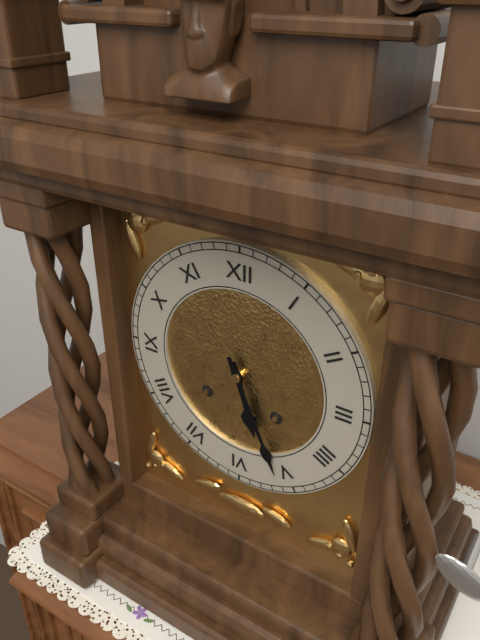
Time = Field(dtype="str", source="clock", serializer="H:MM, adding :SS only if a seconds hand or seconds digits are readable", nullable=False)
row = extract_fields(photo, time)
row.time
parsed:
5:26
